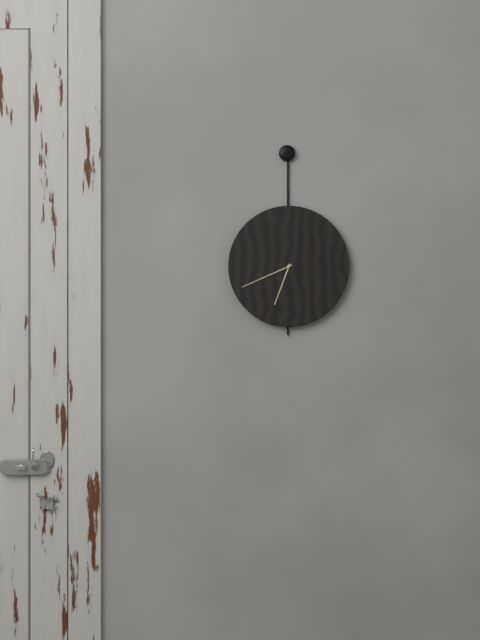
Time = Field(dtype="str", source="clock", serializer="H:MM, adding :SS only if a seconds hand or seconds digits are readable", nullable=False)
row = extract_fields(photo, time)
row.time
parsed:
6:41
